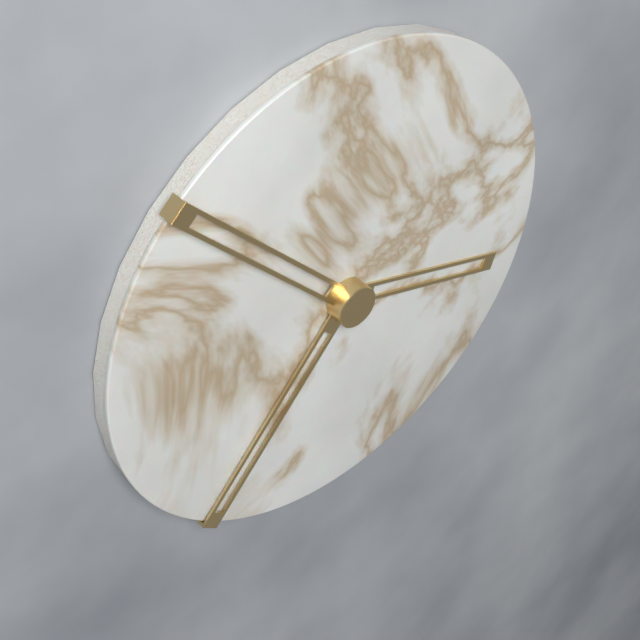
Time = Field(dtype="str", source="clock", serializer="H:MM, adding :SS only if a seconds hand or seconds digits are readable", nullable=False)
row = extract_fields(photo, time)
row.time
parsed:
3:37:53
